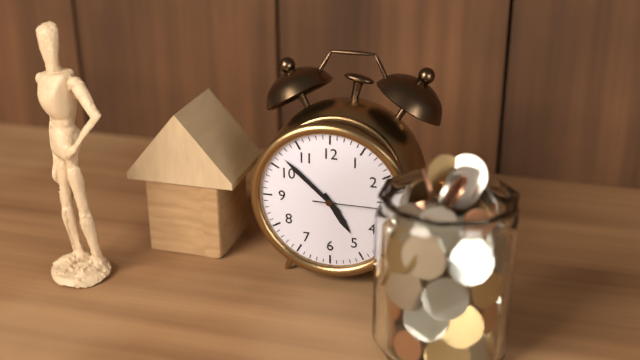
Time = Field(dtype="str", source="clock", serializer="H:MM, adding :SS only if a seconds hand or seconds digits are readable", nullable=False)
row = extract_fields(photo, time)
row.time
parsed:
4:52:15
